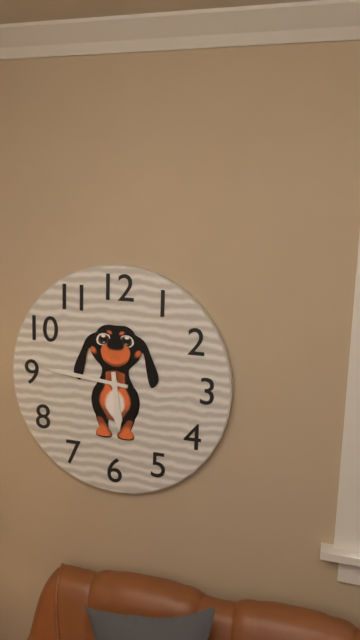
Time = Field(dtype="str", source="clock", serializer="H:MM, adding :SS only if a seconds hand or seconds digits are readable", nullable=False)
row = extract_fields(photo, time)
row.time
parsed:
5:46
